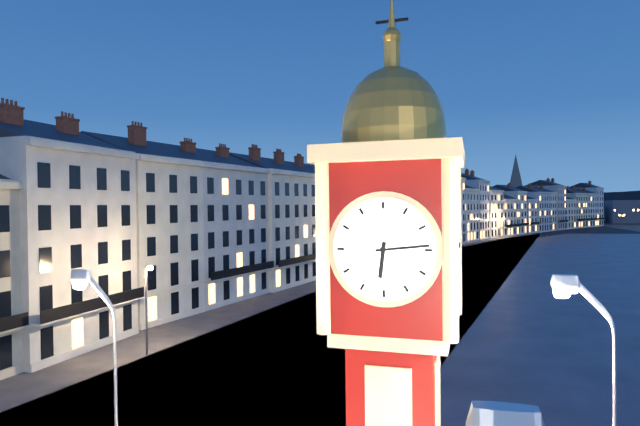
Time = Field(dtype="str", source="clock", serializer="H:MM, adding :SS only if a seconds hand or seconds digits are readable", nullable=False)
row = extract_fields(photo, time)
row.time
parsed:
6:14
